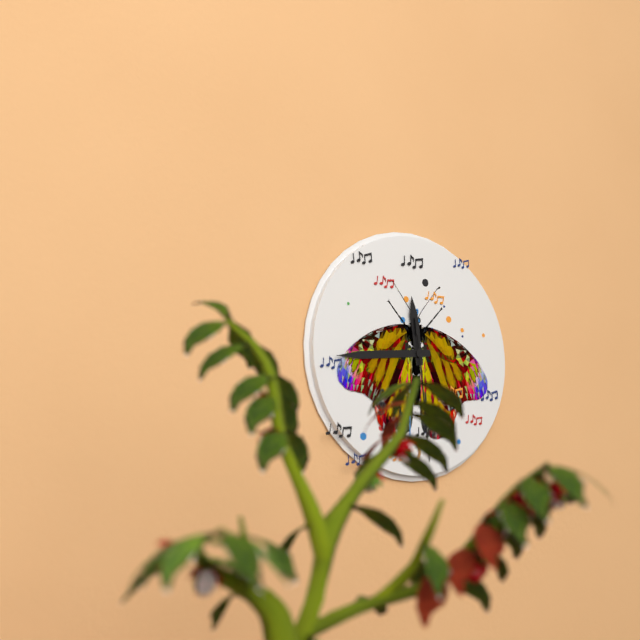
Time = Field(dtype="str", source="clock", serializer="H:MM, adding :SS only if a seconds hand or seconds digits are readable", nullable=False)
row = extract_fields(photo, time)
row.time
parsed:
11:44:29
